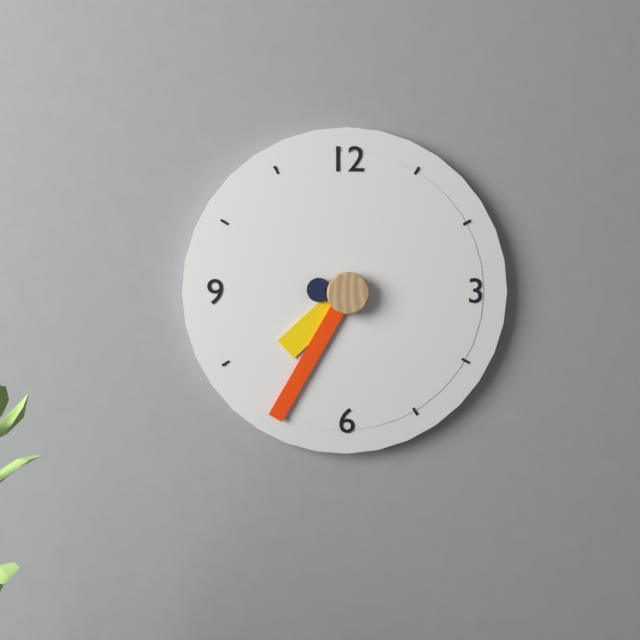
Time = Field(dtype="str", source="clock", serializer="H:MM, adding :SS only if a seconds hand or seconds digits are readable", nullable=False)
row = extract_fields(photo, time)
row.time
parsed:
7:35:46
